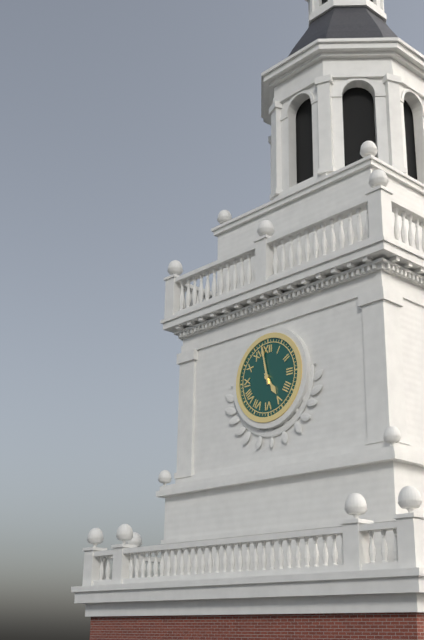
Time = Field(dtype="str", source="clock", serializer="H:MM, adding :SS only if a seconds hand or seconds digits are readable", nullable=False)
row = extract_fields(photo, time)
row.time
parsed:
4:58
